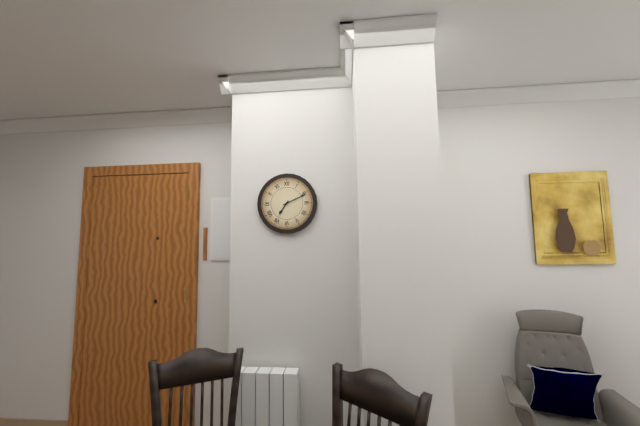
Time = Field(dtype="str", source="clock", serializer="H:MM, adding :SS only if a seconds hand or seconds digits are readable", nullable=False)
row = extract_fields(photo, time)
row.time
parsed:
7:11
